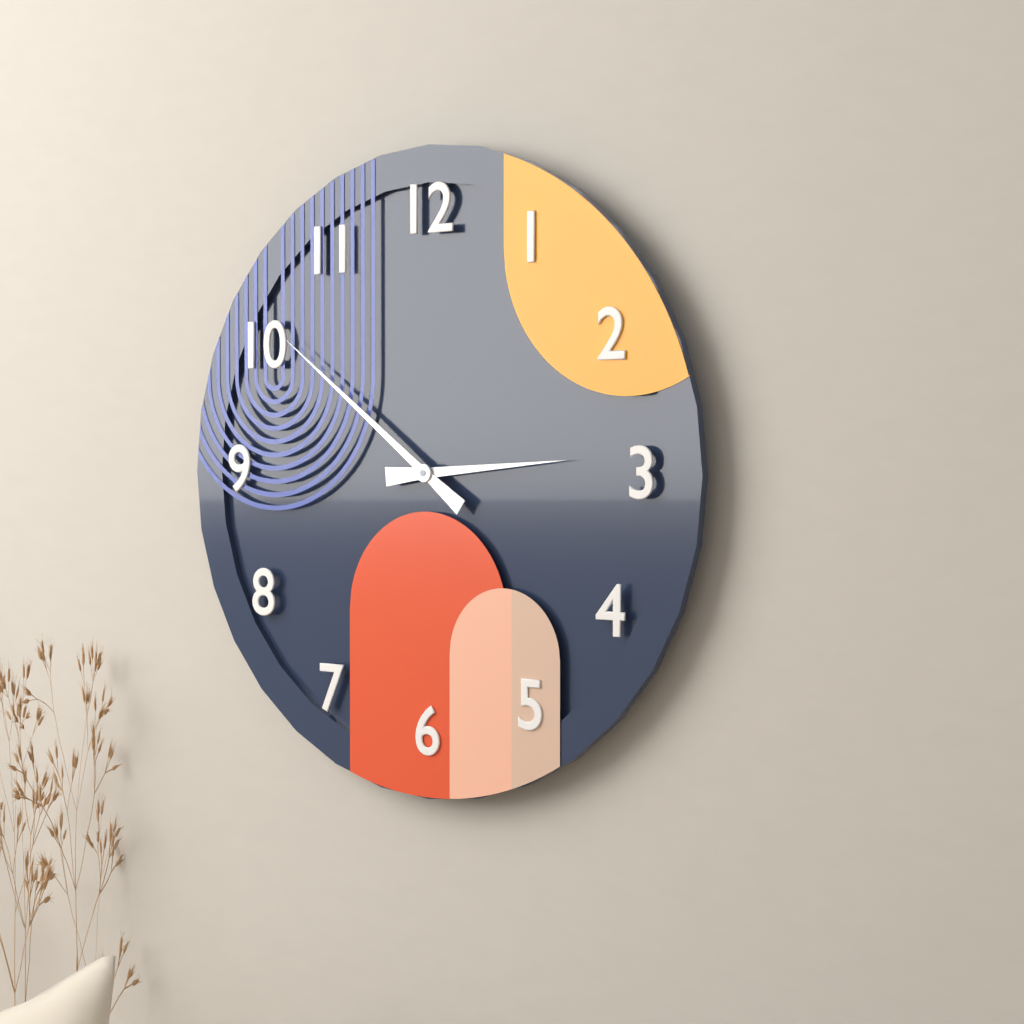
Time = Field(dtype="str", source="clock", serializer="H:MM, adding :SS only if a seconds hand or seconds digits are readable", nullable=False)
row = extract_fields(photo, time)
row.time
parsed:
2:51
